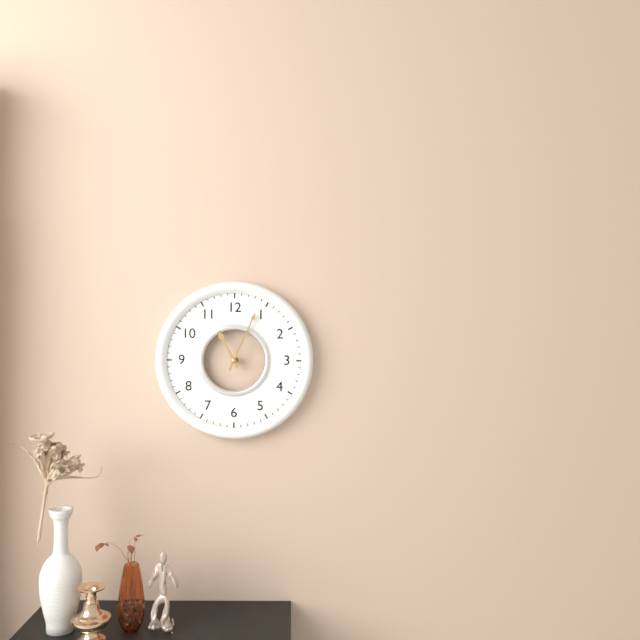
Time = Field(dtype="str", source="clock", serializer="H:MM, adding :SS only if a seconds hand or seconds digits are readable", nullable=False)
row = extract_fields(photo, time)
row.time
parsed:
11:04
